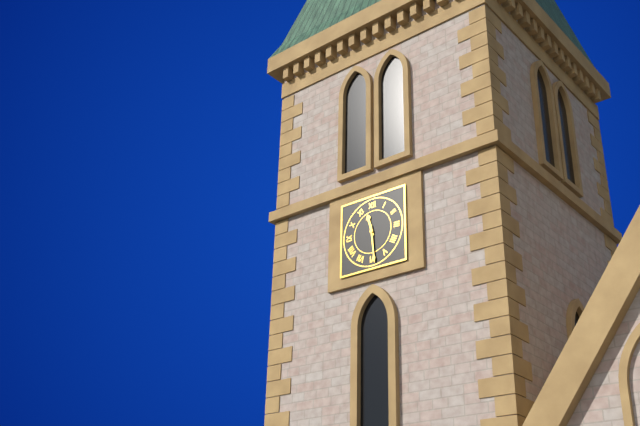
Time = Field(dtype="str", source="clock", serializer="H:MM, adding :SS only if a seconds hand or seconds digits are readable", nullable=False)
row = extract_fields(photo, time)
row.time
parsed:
11:29
